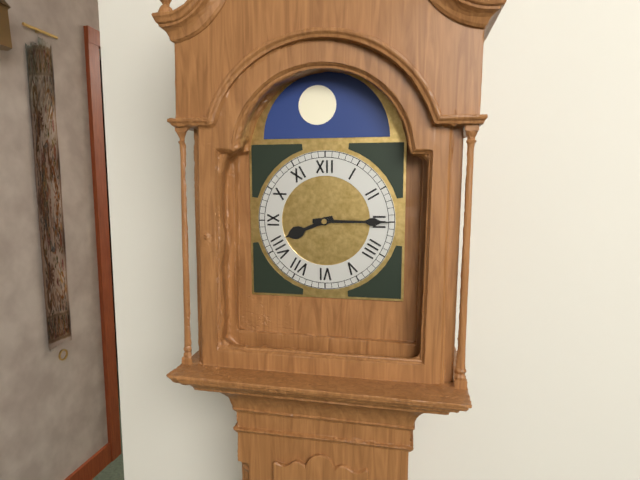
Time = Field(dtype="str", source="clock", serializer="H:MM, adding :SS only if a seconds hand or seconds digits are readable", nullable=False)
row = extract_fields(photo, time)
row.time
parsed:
8:15
